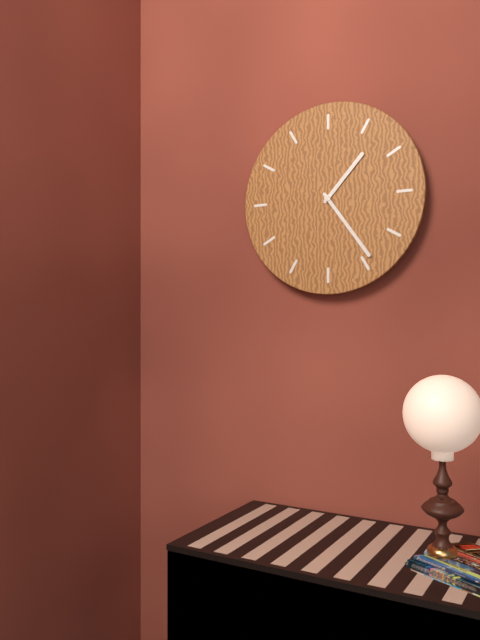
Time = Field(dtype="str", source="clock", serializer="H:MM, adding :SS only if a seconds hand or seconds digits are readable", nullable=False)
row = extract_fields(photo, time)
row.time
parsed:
1:24
